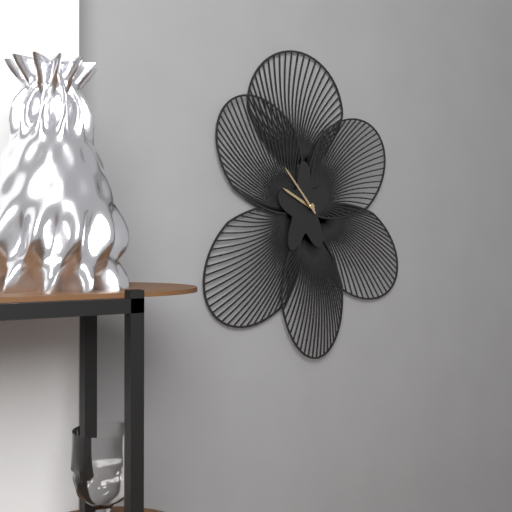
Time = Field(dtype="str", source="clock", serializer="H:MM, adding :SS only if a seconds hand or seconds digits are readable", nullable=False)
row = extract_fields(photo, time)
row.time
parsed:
9:53
